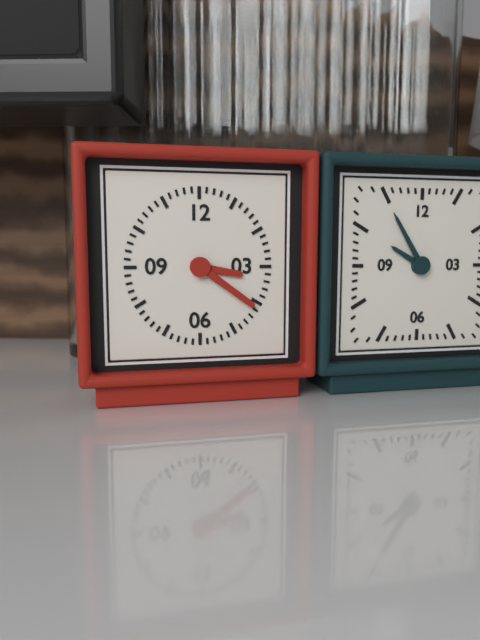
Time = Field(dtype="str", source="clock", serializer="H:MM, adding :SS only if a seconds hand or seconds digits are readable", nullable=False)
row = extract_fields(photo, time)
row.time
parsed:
3:21
